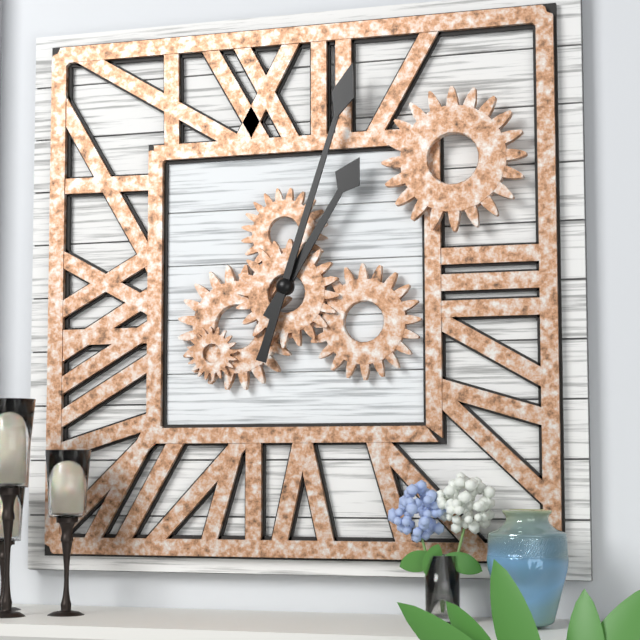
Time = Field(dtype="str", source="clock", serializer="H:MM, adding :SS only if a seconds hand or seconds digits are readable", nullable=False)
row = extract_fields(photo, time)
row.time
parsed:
1:03
